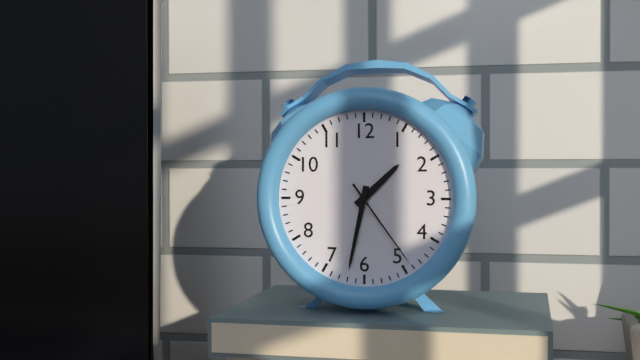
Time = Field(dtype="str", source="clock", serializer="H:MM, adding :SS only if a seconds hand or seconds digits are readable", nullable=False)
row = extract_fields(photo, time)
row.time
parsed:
1:32:24
